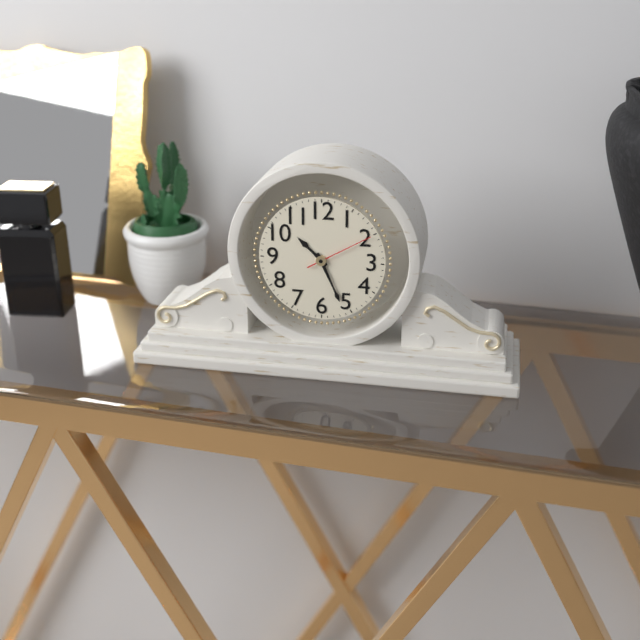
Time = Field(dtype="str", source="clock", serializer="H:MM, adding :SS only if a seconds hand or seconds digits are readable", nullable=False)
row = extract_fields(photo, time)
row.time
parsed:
10:26:10
